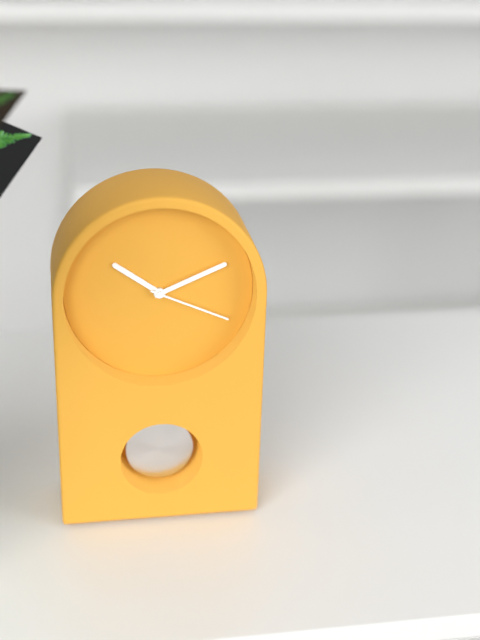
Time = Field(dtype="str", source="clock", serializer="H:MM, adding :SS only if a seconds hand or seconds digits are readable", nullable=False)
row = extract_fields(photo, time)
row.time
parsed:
10:11:19
